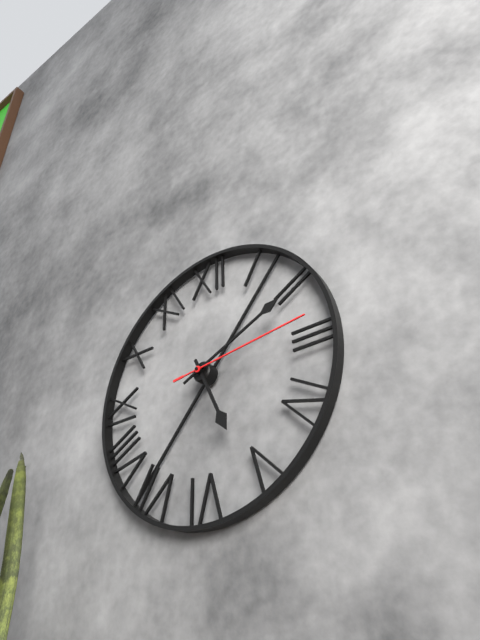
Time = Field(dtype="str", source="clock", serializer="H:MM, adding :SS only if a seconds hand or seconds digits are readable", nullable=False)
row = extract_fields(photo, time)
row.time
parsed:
5:11:14
